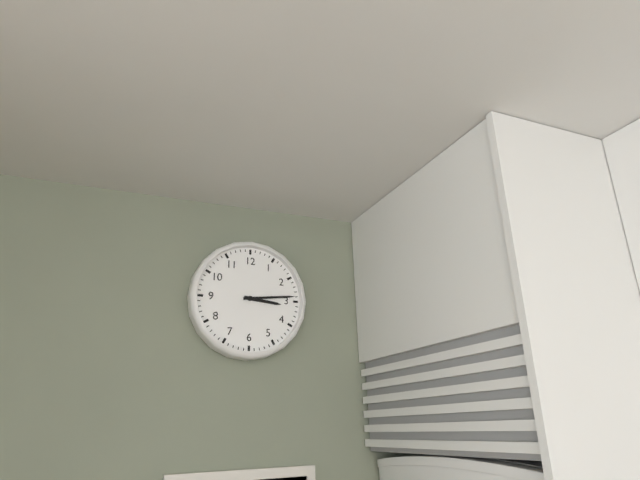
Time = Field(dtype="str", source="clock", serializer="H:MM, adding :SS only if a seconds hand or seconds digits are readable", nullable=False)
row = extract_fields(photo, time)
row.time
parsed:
3:14
